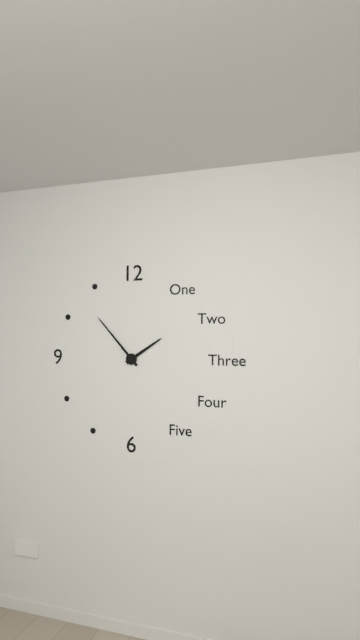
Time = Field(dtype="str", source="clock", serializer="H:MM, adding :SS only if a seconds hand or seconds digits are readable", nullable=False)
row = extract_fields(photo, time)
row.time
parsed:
1:53
